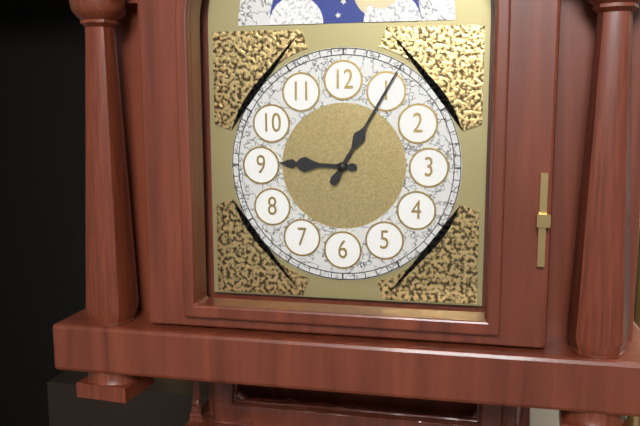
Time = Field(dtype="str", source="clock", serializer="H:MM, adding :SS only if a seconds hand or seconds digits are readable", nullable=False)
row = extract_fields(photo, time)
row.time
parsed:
9:05
